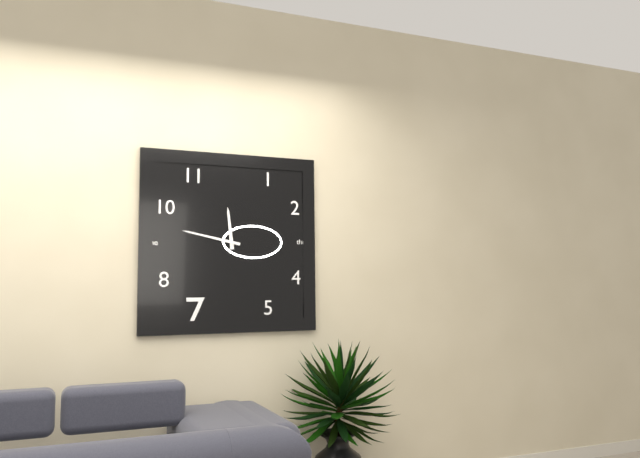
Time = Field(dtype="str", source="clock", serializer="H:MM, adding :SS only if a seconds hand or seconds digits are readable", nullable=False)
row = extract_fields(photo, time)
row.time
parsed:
11:47
